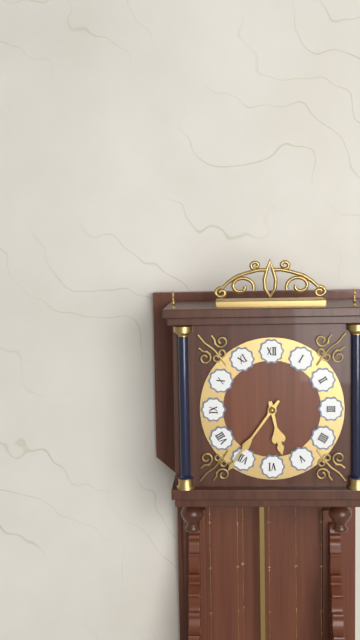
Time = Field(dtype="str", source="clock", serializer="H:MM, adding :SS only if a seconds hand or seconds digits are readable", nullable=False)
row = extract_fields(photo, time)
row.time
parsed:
5:36
